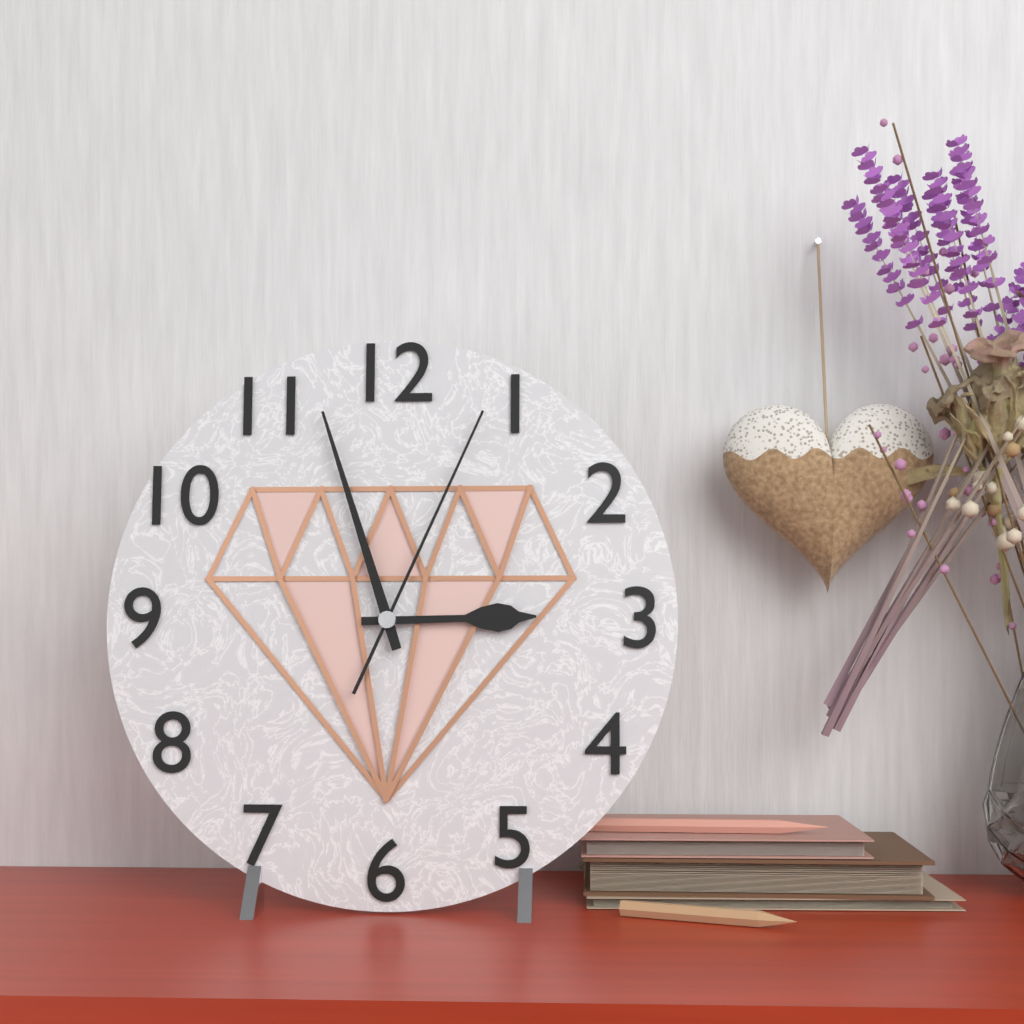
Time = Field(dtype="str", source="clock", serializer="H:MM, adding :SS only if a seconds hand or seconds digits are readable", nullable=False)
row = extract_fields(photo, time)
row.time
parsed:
2:57:04
